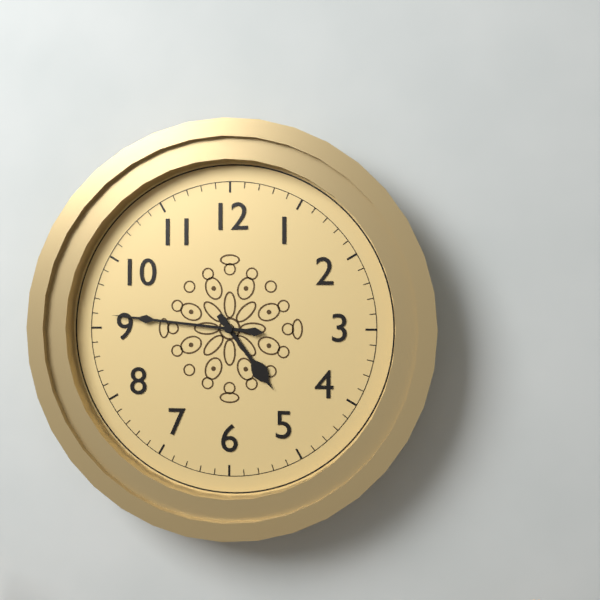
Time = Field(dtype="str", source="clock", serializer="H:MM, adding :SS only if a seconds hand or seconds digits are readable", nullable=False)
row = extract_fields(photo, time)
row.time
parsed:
4:46
